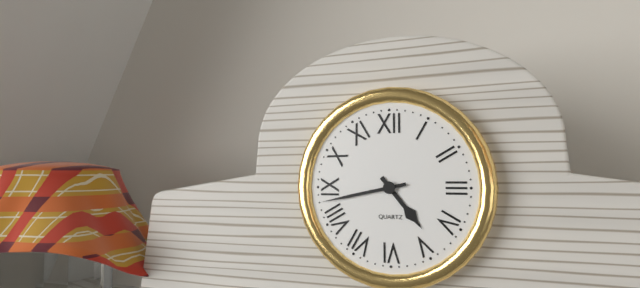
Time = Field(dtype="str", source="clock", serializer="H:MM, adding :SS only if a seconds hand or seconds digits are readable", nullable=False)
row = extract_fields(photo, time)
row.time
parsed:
4:43
